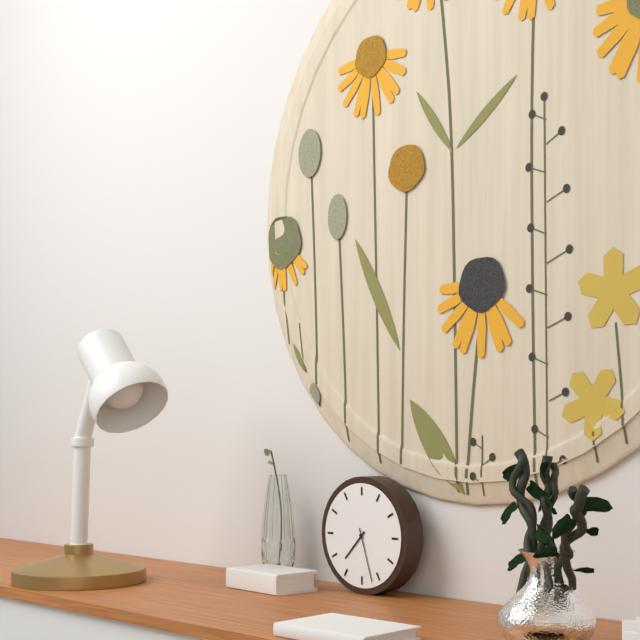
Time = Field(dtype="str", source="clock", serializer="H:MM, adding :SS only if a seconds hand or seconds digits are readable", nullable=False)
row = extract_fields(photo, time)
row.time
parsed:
7:27
